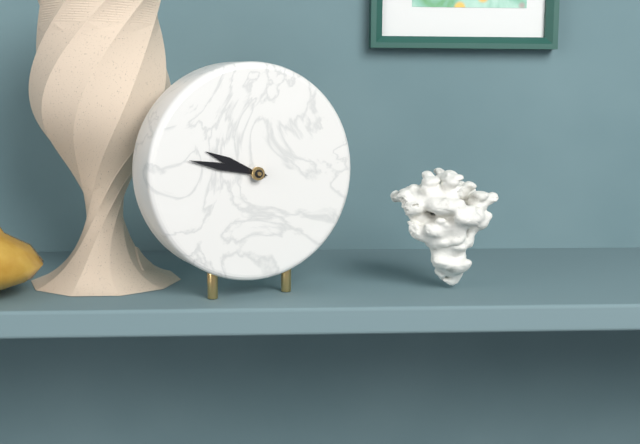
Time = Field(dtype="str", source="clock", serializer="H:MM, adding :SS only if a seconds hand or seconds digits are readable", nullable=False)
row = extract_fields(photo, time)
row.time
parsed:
9:47
